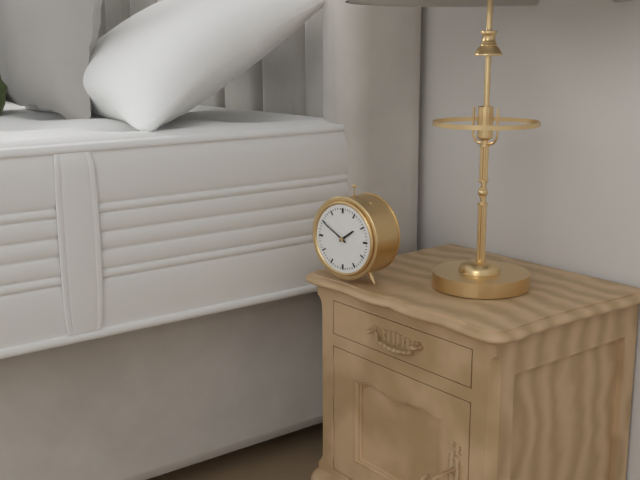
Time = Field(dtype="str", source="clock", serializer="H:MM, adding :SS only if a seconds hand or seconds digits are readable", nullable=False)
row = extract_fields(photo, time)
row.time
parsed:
1:50
